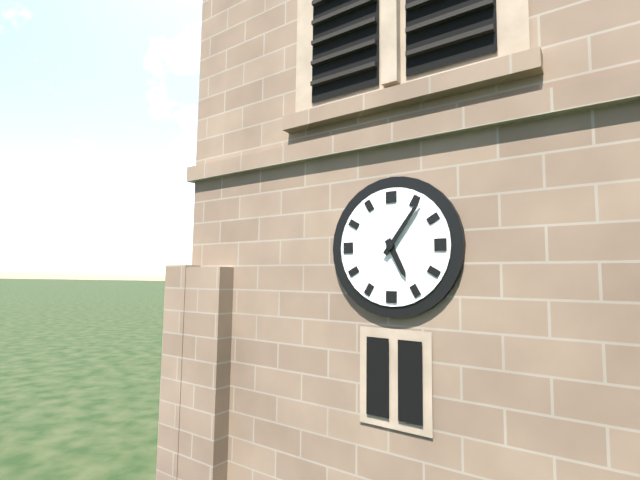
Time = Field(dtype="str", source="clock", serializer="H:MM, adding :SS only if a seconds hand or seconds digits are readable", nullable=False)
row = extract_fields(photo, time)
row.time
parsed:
5:06
